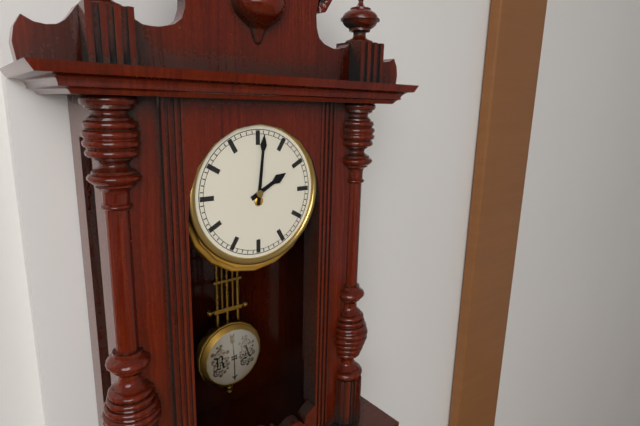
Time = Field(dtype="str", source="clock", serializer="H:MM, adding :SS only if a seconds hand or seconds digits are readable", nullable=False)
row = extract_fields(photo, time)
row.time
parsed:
2:01
